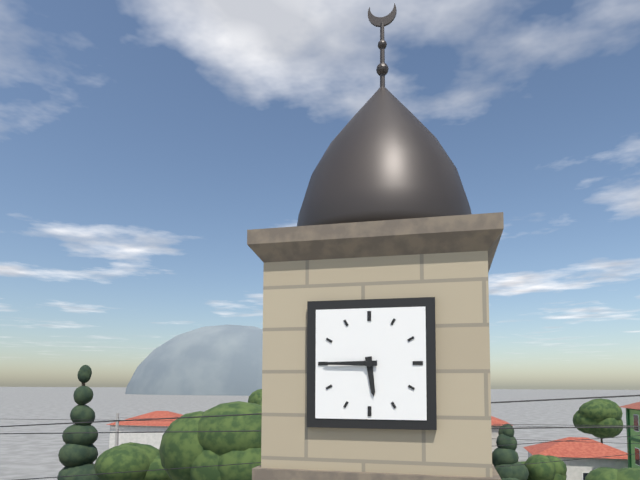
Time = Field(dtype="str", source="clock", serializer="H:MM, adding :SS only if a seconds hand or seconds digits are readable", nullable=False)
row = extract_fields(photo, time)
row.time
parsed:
5:45
